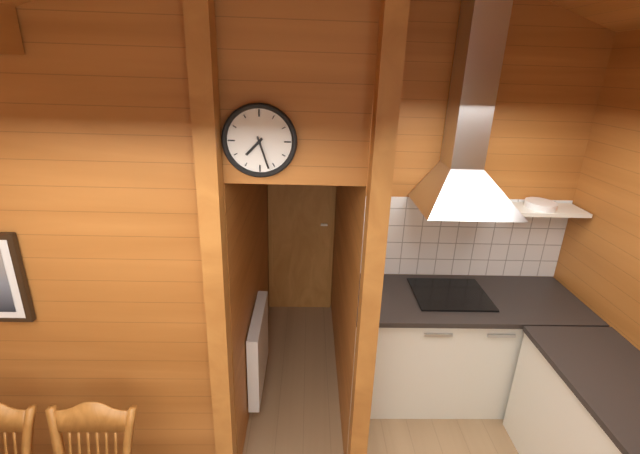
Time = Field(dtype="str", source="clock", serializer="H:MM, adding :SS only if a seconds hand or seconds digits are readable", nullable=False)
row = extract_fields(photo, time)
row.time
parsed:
7:27
